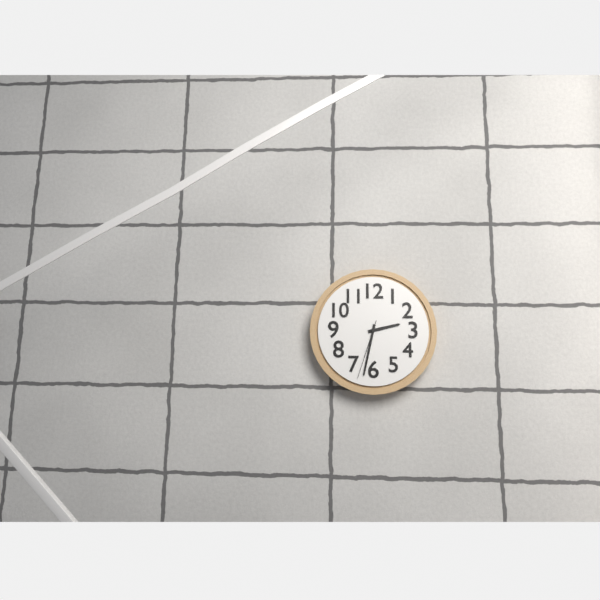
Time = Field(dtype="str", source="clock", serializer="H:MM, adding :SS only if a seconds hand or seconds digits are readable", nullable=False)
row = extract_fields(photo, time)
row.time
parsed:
2:32:33
